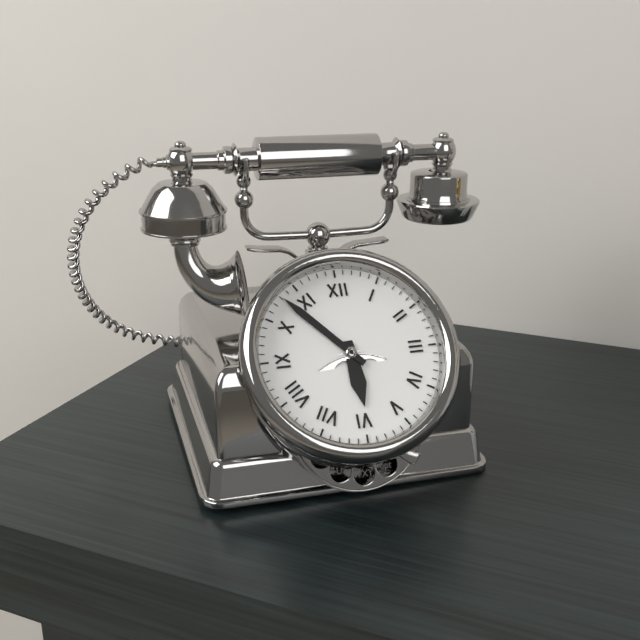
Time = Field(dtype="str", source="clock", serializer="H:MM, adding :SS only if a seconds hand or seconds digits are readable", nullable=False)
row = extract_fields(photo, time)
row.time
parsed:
5:53
